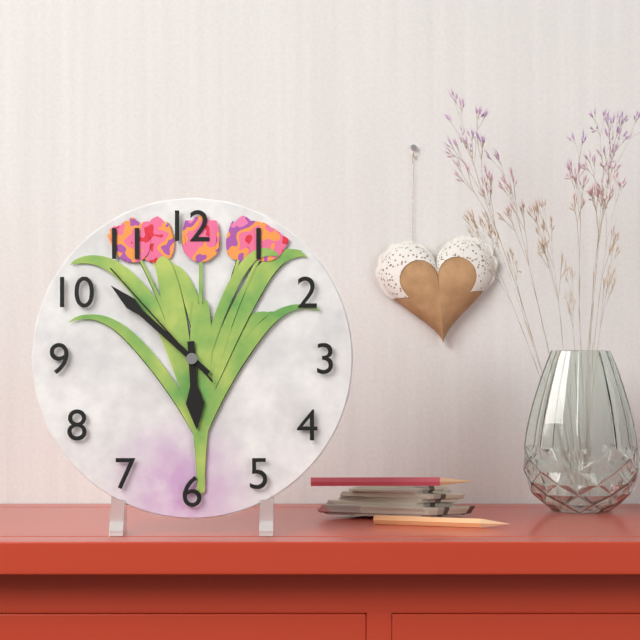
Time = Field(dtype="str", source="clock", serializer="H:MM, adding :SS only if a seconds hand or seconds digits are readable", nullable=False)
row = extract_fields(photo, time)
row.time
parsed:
5:52:53
